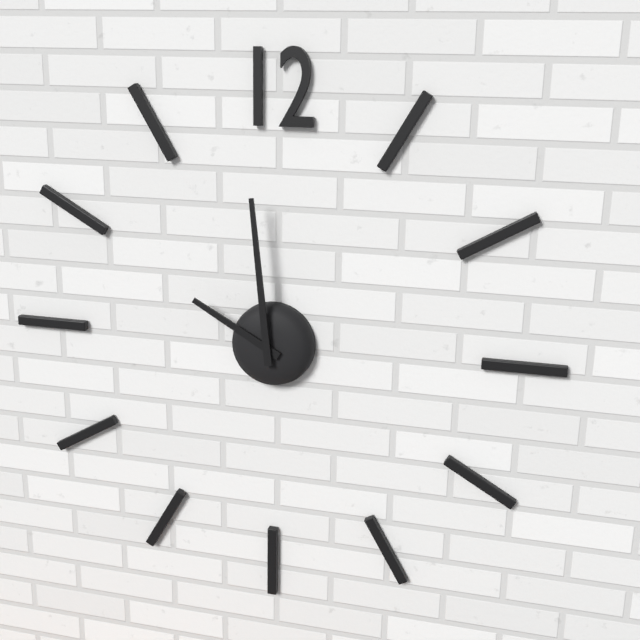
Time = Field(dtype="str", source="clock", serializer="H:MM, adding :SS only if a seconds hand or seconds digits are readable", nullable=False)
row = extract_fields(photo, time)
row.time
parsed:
9:59
